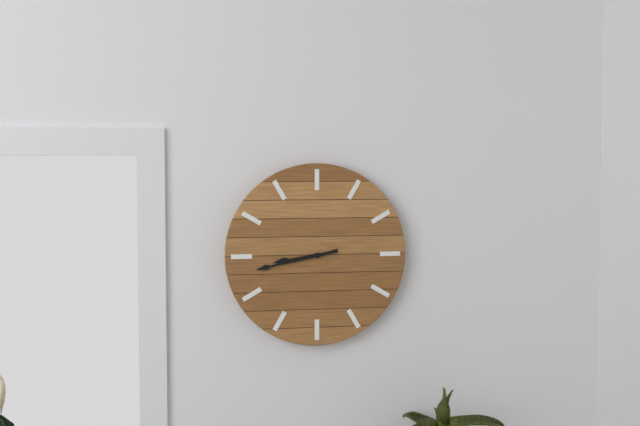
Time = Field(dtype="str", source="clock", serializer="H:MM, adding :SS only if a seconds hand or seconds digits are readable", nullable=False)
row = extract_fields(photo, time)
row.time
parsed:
8:43
